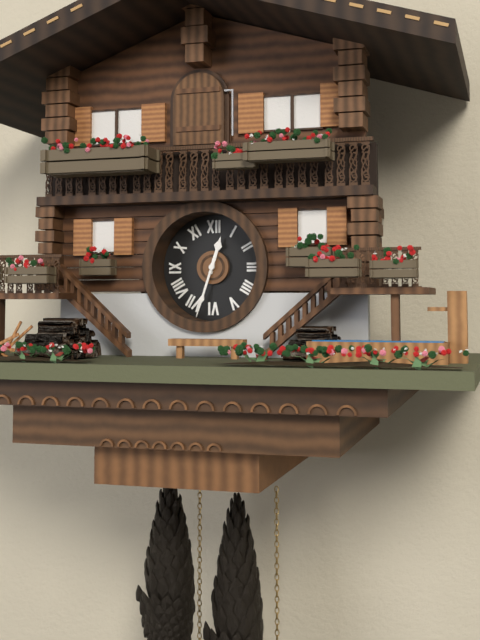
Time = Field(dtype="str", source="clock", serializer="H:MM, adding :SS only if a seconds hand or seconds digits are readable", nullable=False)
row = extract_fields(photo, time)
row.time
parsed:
12:33
